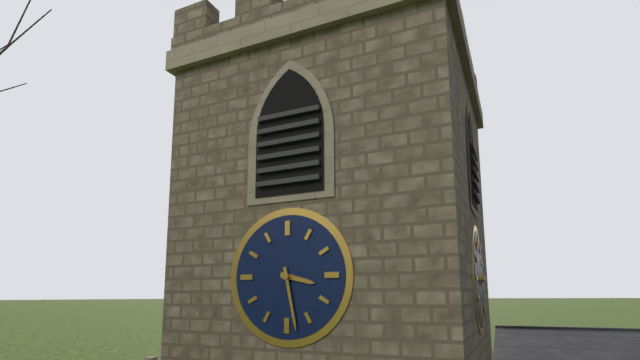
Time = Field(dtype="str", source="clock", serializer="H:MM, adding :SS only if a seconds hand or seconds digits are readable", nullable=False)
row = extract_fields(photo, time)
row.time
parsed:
3:28
